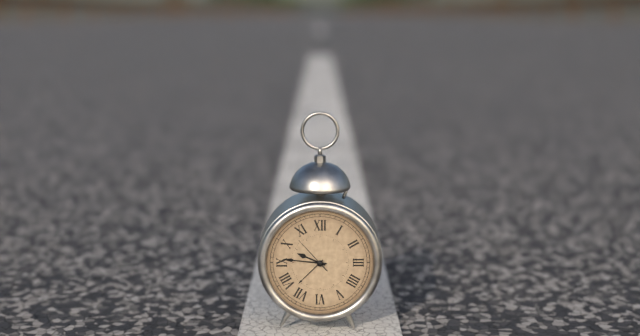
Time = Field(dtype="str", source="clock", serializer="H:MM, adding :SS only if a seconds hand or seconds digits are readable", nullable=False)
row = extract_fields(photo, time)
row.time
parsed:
9:46
